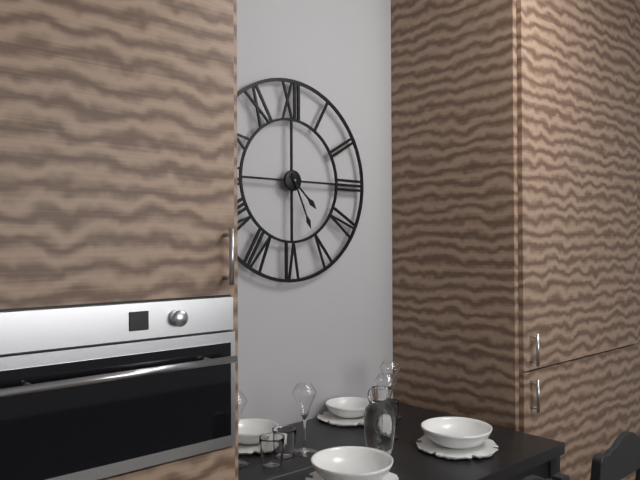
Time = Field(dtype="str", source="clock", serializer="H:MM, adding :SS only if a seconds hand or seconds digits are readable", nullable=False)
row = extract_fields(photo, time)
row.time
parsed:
4:26
